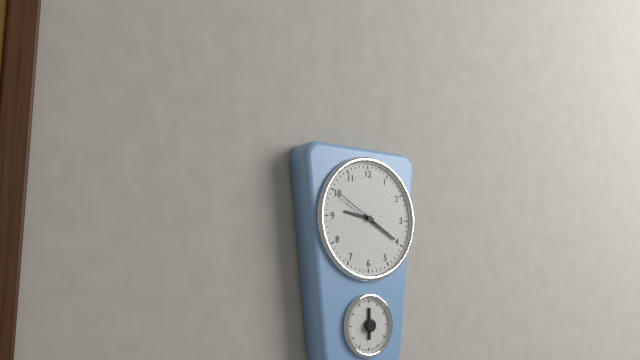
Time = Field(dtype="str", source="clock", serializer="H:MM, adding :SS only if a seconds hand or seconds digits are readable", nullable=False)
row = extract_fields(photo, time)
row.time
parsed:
9:20
